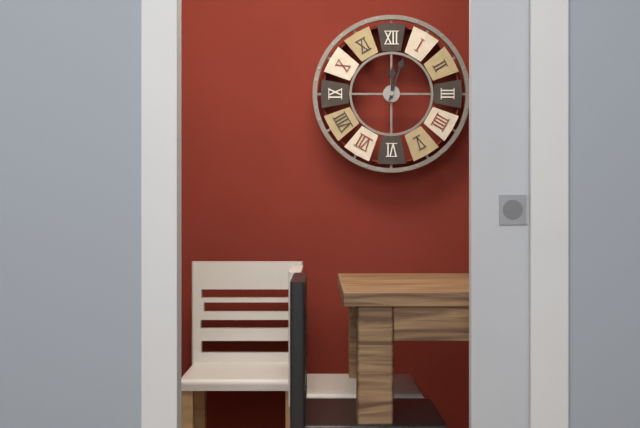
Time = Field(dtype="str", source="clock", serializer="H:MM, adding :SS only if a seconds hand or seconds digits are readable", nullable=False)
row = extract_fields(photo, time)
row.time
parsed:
12:03
